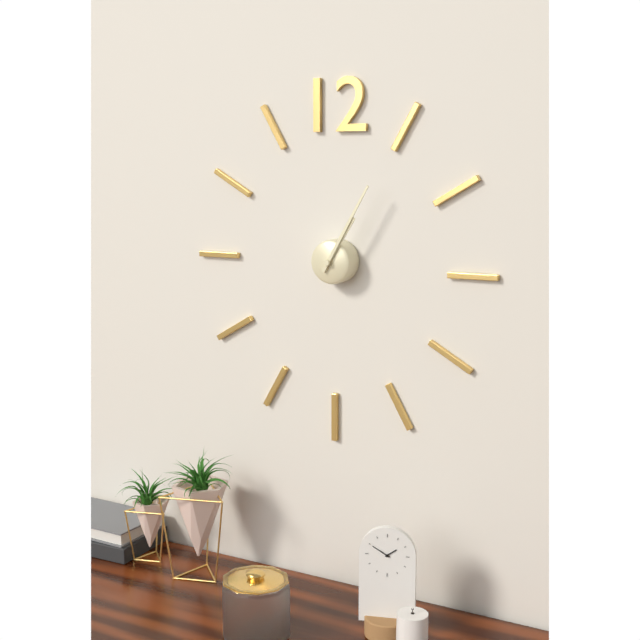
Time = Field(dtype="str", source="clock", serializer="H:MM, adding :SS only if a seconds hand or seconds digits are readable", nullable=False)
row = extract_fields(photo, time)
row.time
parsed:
1:05
